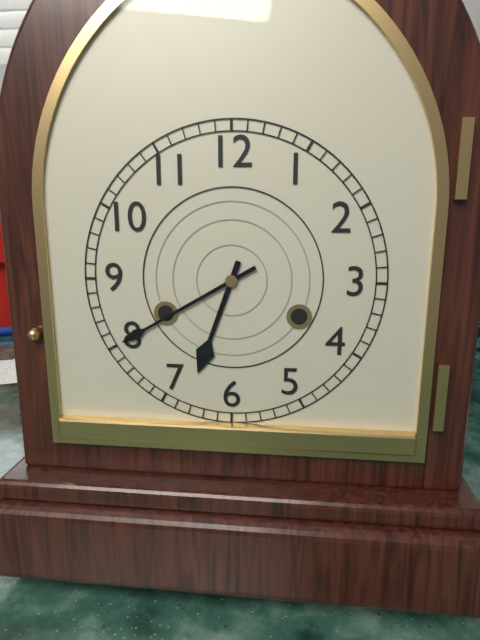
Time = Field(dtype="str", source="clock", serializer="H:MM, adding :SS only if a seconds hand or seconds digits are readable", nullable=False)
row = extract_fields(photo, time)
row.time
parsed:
6:40
